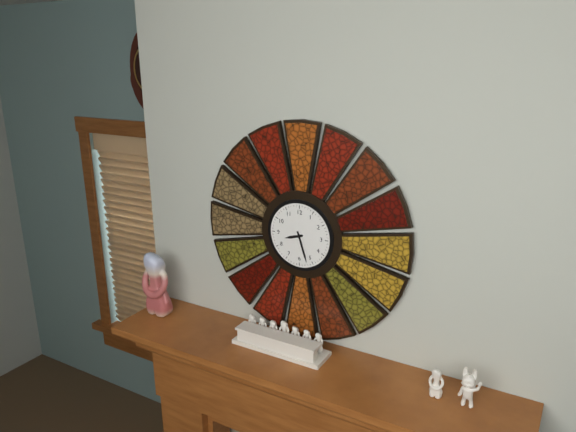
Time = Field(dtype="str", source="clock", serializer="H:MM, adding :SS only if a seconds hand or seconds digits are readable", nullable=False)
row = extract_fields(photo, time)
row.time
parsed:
8:27
